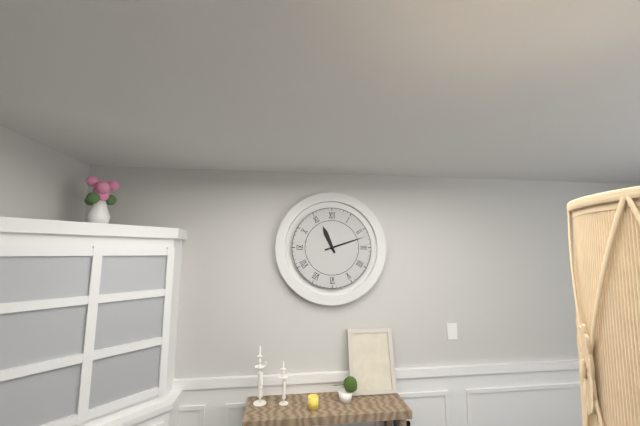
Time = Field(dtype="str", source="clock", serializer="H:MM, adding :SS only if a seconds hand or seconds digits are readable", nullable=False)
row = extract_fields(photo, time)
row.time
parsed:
11:12
